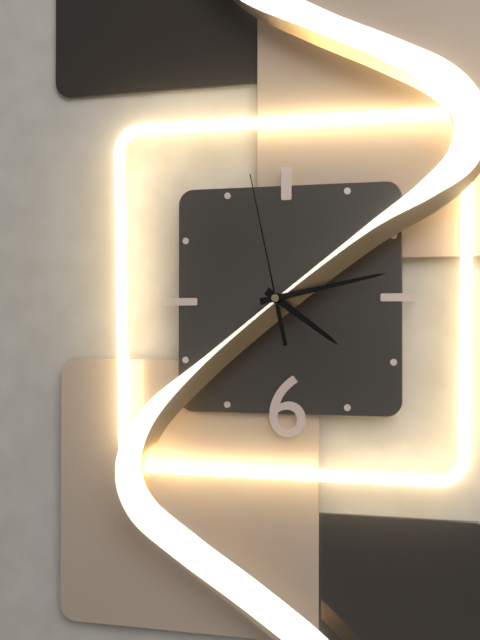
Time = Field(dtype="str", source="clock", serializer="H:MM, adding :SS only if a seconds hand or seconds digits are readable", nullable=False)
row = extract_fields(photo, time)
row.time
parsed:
4:13:58
